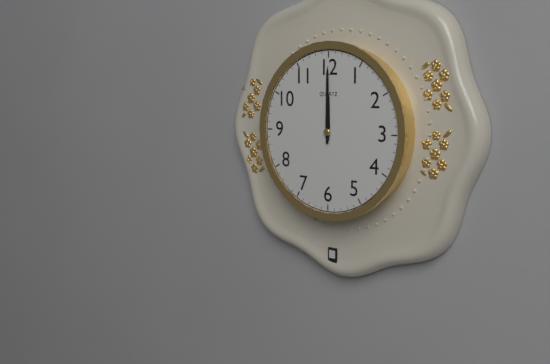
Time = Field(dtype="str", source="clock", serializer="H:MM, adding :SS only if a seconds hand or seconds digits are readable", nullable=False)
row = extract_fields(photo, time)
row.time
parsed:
12:00
